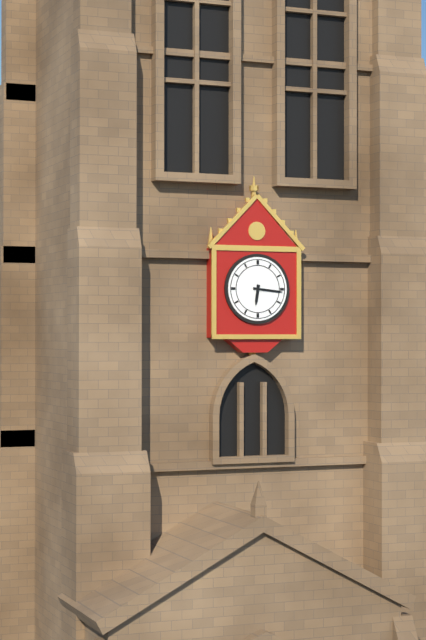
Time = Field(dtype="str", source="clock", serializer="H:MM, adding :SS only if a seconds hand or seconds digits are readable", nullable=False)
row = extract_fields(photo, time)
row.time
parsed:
6:16
